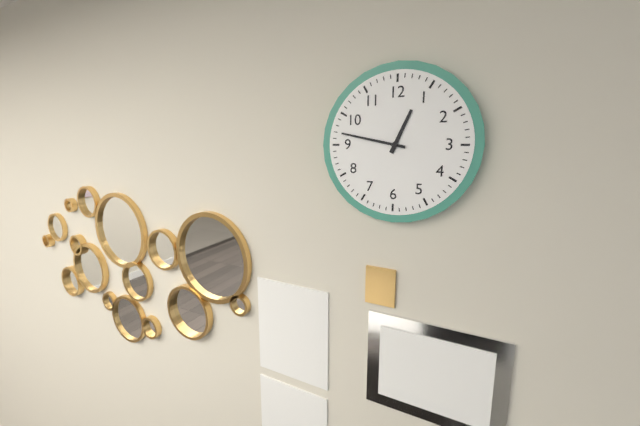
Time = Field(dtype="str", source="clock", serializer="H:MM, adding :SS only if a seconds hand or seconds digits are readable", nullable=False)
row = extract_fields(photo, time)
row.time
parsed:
12:47
